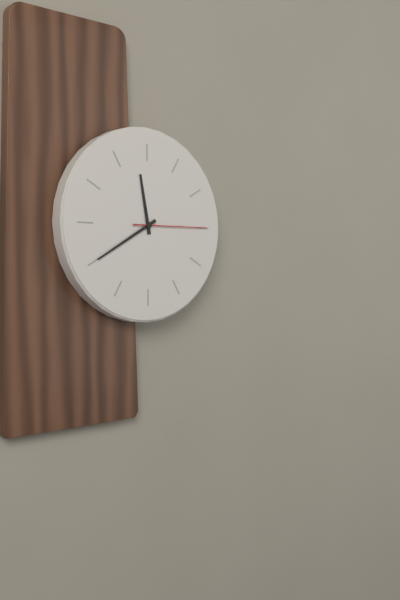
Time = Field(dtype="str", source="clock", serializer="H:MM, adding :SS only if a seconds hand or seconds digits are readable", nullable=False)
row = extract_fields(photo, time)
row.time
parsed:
11:40:15
